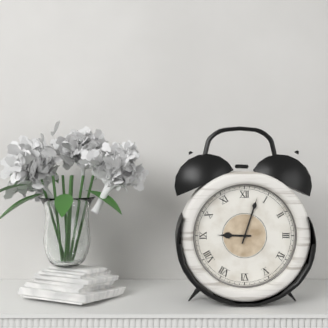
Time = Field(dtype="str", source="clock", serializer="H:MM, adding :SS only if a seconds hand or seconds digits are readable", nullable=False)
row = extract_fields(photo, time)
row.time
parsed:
9:03
